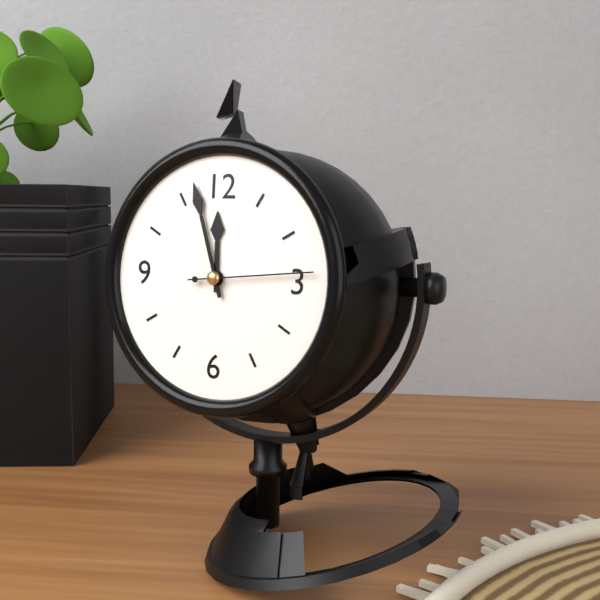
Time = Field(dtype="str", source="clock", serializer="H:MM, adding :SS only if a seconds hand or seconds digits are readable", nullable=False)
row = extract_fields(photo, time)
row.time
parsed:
11:57:14
